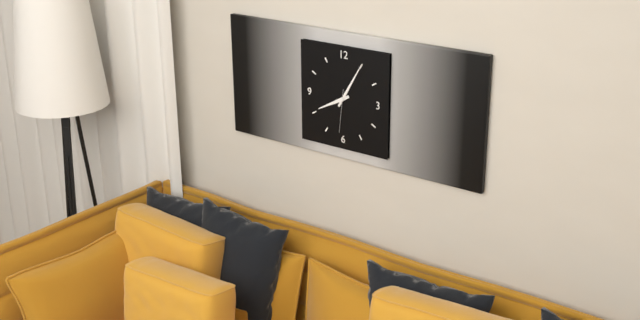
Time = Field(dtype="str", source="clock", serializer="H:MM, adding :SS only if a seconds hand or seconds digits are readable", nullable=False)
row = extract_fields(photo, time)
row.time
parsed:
8:05
